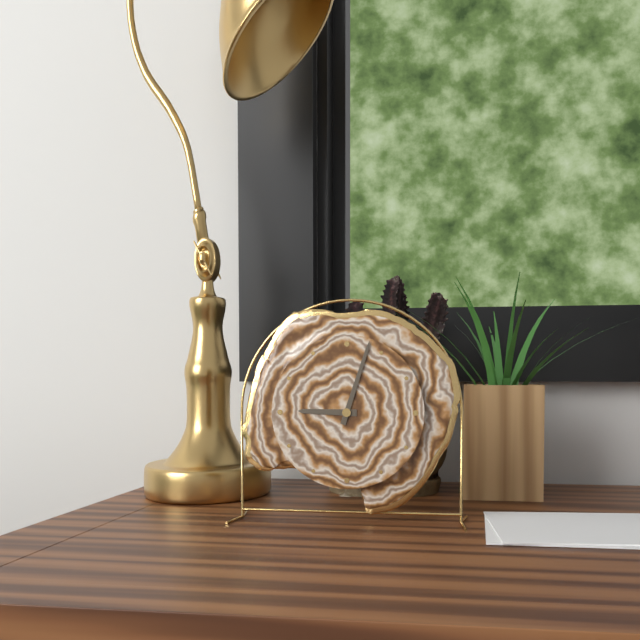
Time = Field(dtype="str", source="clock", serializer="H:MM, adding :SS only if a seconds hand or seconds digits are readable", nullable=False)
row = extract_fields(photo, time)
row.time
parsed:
9:03
